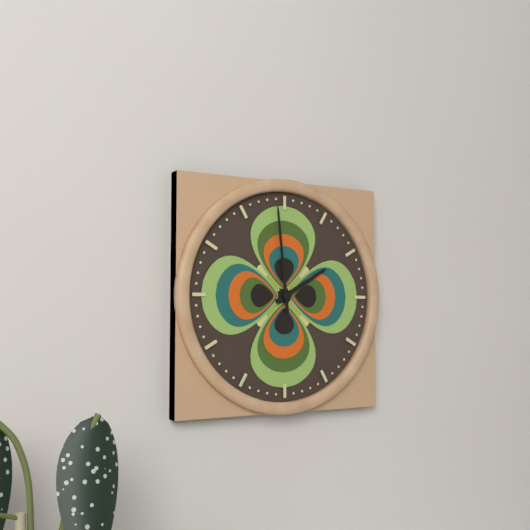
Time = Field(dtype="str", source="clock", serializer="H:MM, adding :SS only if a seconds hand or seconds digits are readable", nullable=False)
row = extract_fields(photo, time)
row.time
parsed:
1:59
